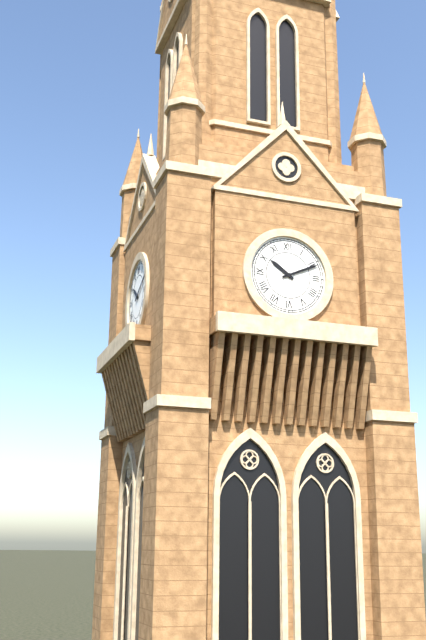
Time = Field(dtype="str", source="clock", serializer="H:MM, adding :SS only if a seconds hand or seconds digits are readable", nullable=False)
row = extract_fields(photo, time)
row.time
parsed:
10:11
